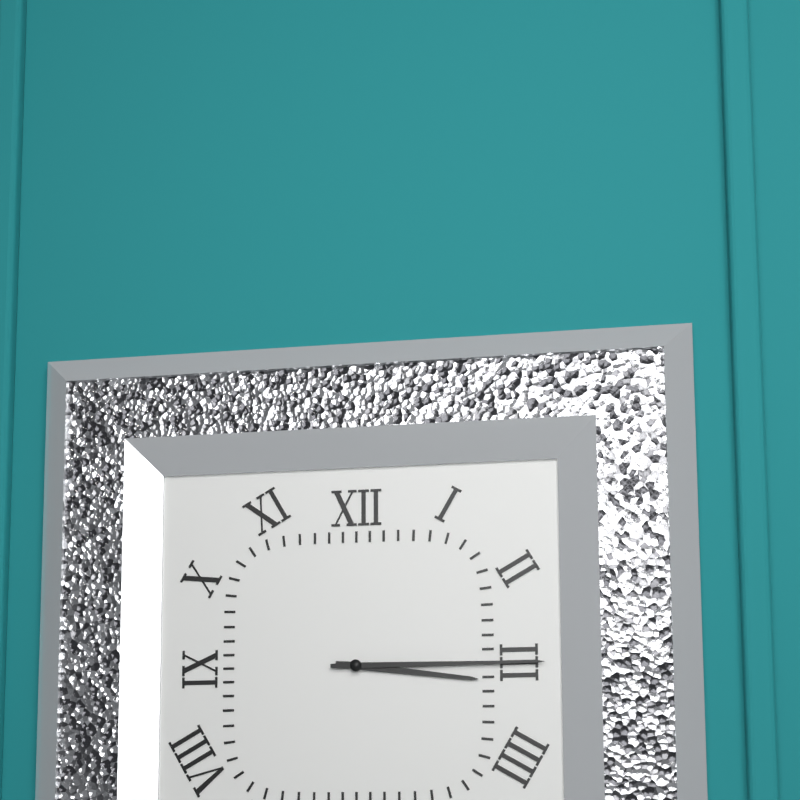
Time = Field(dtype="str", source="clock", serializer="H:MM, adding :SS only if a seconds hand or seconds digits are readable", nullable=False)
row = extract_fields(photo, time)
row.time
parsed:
3:15
